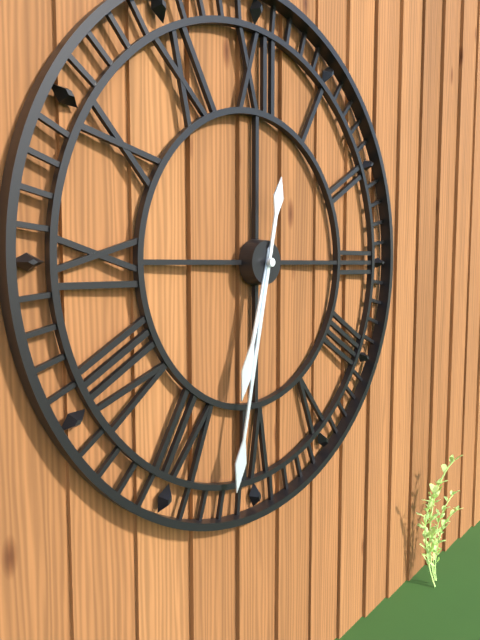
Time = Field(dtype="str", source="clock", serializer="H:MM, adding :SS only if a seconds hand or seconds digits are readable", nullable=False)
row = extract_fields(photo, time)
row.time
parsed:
6:32
